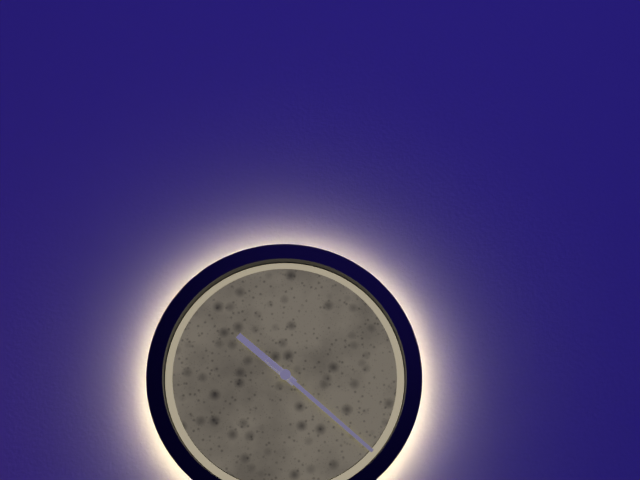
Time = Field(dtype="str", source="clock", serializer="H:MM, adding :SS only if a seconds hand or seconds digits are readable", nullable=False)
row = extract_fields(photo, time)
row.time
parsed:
10:22
